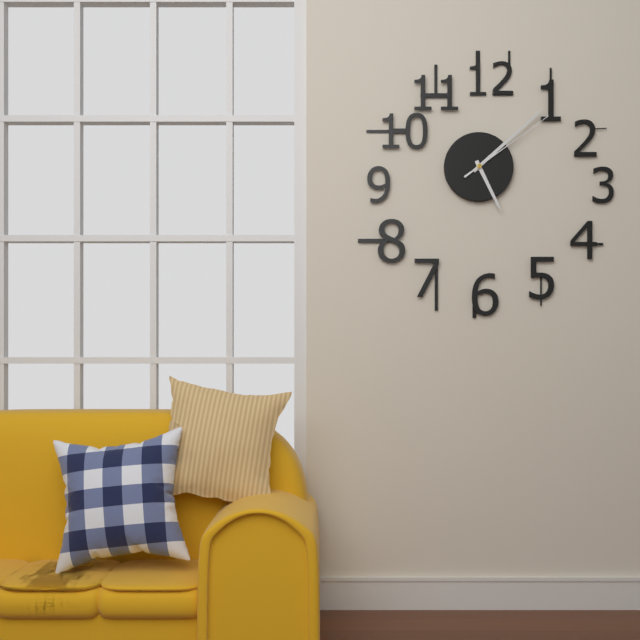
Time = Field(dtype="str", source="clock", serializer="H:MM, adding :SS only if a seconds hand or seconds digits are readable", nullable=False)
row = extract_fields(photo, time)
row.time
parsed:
5:08:09
